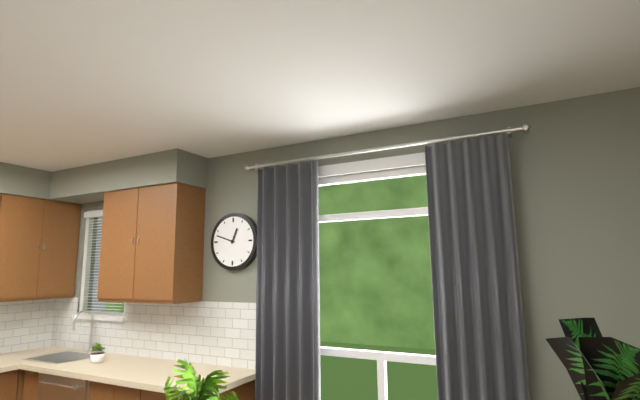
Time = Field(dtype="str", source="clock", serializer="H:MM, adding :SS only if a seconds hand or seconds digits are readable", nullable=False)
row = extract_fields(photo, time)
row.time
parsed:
12:48
